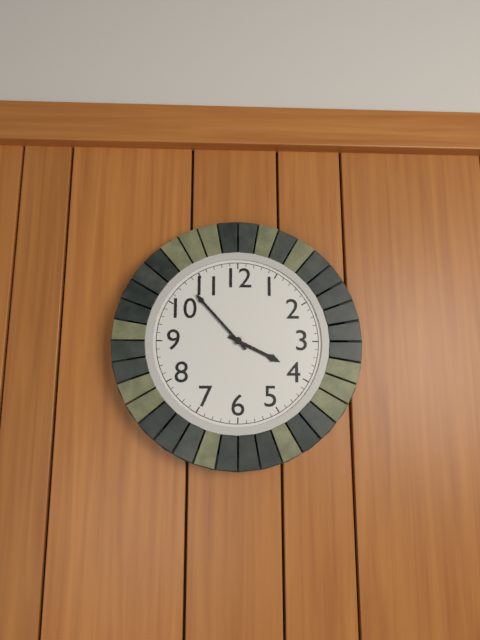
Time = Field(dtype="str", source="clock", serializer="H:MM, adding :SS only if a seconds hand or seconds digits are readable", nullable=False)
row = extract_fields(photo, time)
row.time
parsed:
3:53
